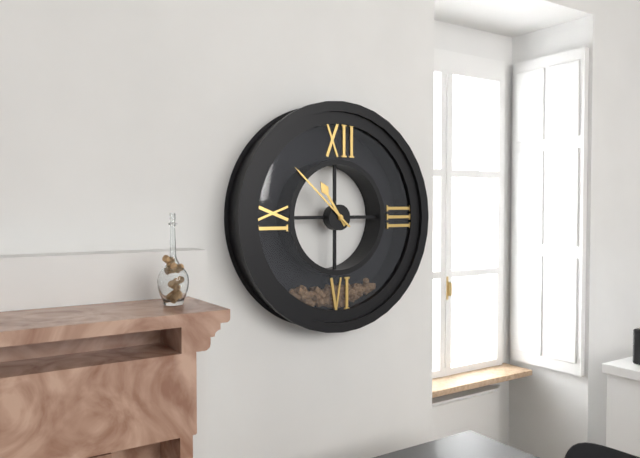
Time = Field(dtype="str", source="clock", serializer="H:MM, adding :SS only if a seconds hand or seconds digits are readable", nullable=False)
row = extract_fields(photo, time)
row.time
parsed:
10:52
